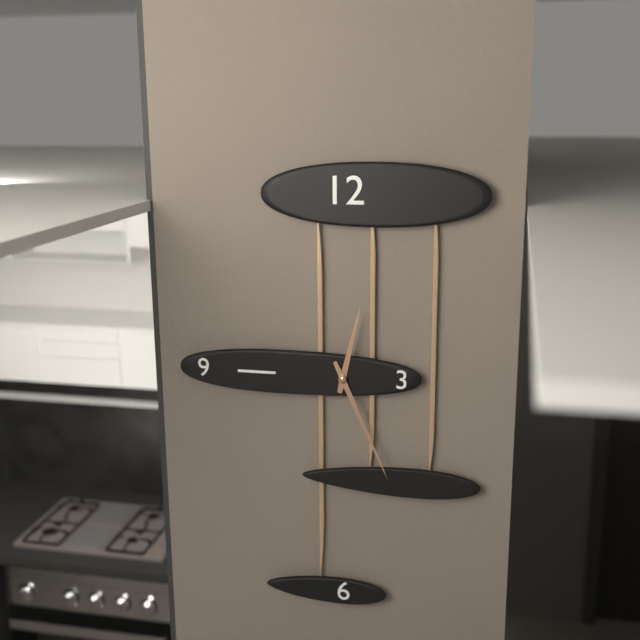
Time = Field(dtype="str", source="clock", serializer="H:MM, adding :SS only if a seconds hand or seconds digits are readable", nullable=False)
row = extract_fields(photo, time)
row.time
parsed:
12:26
